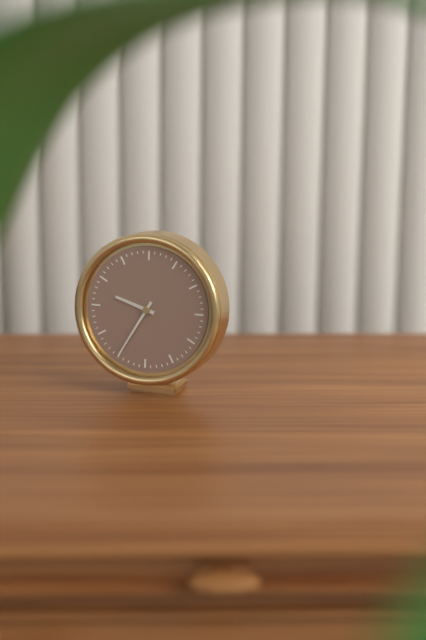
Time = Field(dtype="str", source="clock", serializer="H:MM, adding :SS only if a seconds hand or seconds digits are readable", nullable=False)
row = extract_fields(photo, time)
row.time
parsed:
9:35
